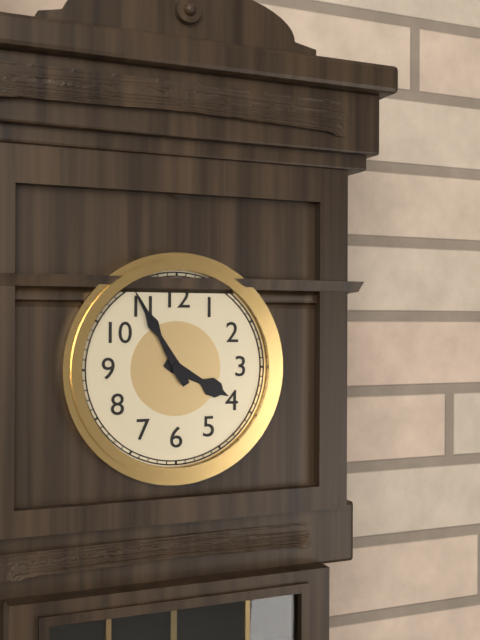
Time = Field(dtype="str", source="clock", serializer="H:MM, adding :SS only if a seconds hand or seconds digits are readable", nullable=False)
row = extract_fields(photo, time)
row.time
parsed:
3:55
